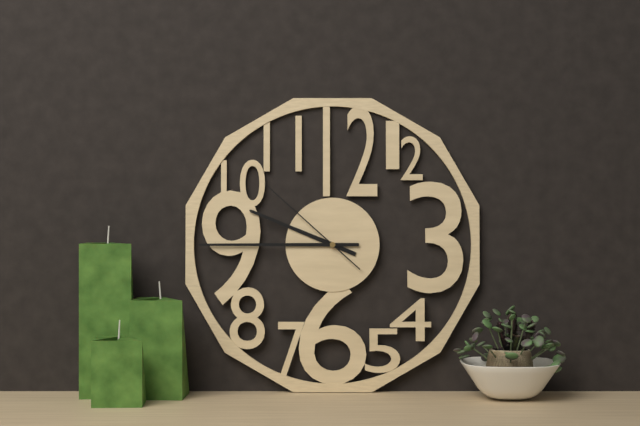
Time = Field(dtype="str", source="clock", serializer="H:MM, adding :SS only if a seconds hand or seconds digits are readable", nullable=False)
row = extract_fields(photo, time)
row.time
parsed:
9:45:52
